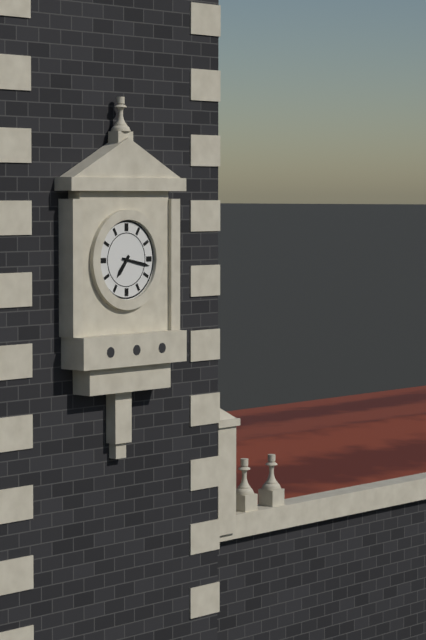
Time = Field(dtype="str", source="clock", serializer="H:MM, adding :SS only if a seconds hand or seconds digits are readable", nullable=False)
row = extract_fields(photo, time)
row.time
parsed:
7:17
